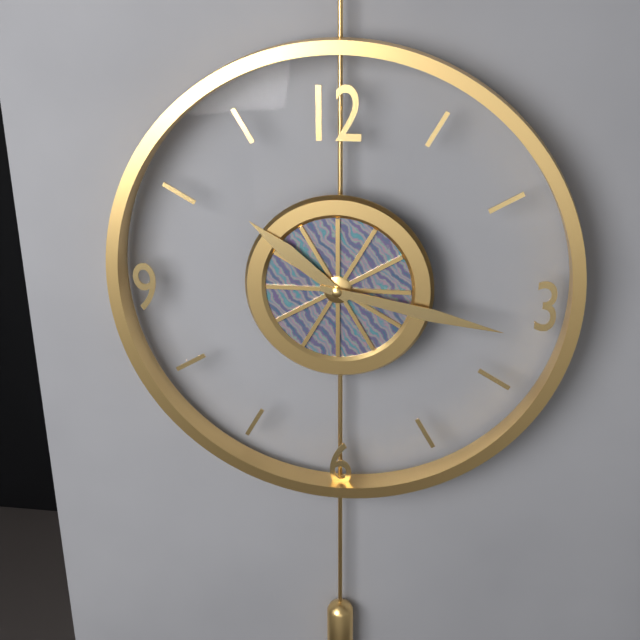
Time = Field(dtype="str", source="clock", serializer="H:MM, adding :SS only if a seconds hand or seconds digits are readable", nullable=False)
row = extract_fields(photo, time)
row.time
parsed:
10:17
